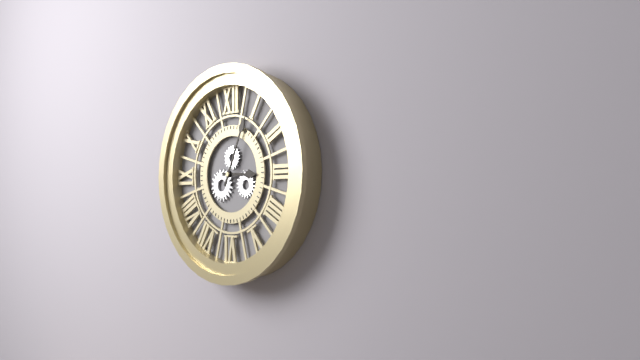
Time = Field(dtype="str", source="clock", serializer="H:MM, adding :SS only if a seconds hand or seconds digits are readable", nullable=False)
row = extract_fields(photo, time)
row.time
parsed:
3:04
